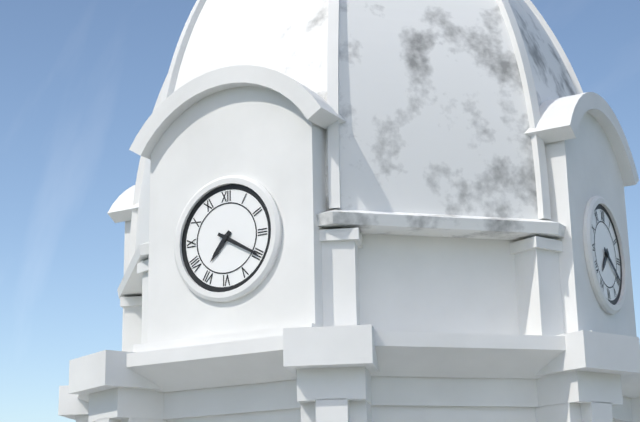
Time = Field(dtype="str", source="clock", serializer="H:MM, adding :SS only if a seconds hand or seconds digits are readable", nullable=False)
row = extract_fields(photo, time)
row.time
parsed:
7:20
